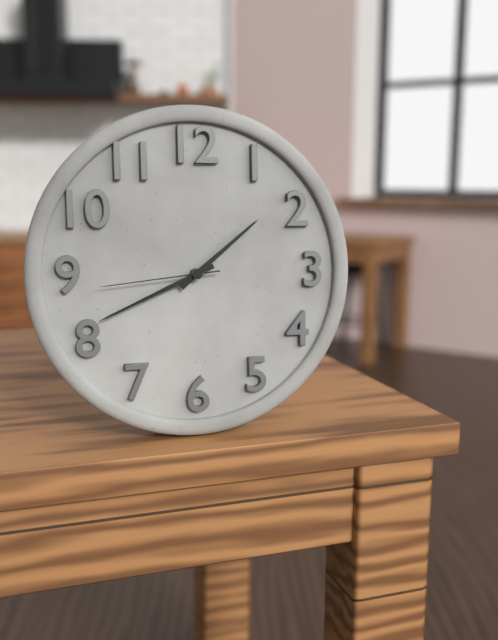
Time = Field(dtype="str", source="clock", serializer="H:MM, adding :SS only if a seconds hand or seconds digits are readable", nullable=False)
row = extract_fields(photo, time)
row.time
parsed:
1:41:44
